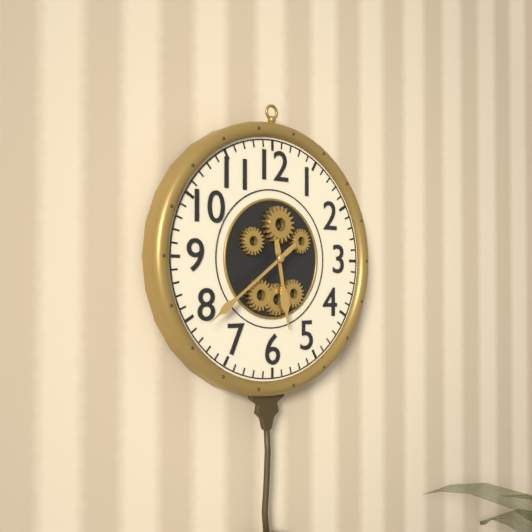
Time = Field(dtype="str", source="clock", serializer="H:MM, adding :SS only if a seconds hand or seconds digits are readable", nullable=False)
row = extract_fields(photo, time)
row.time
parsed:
5:39
